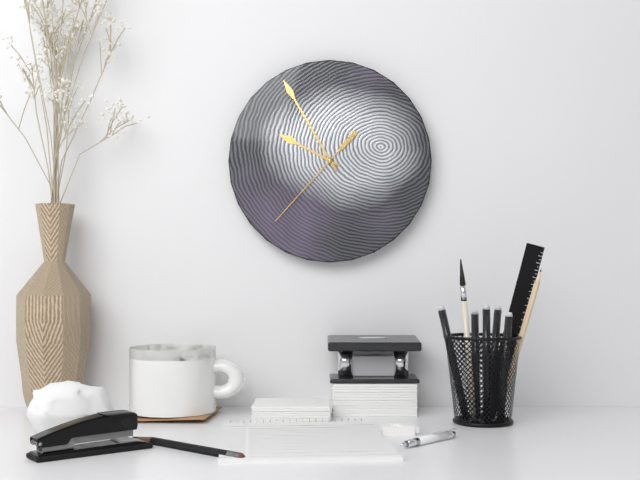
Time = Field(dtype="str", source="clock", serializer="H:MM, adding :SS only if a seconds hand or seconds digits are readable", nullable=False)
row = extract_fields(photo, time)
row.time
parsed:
9:55:37
